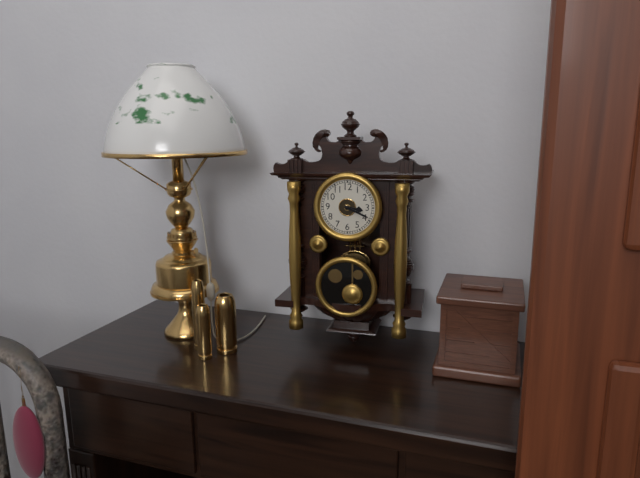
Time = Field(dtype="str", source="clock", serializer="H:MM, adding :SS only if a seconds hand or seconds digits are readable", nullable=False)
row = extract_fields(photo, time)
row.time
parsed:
3:19
